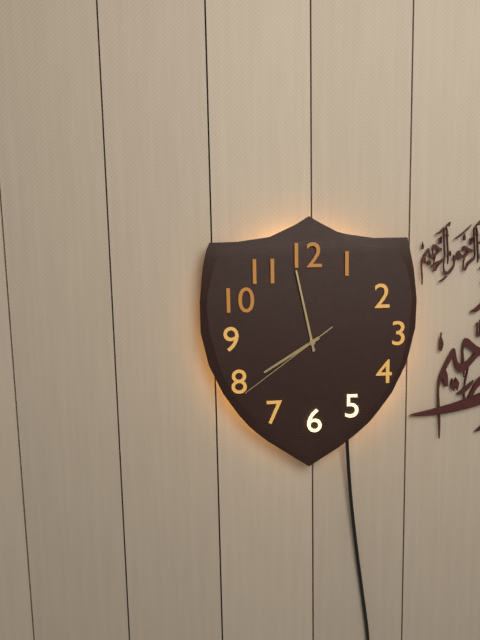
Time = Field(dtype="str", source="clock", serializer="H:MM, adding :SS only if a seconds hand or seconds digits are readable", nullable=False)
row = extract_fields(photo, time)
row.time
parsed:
7:58:39
